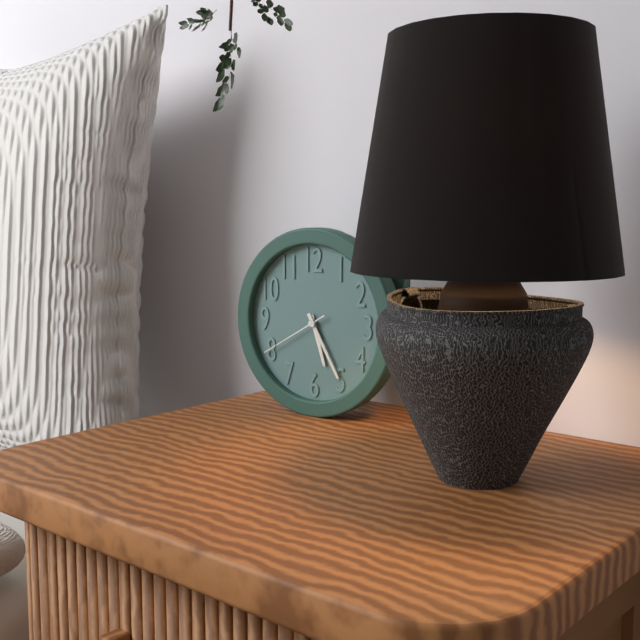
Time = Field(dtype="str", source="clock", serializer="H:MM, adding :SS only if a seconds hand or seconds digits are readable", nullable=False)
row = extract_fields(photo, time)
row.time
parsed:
5:25:40
